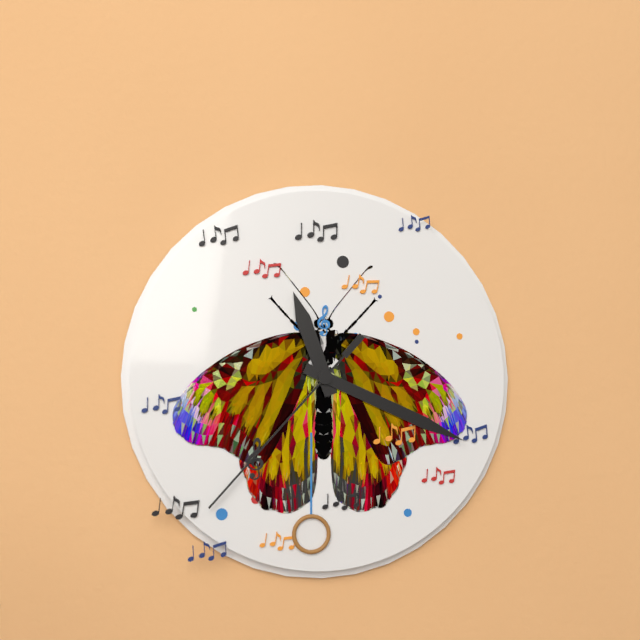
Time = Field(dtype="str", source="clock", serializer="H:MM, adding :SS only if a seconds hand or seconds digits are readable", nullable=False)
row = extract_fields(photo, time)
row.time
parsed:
11:19:37
